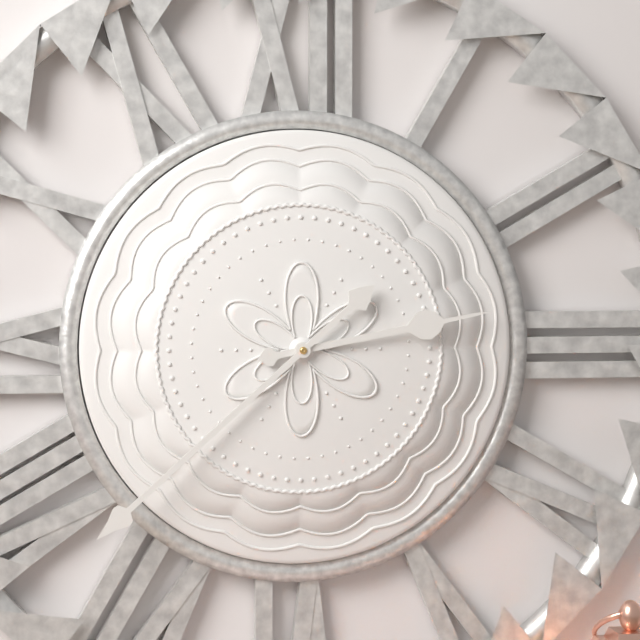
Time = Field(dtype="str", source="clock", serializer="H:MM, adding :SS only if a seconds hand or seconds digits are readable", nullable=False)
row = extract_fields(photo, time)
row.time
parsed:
2:38
